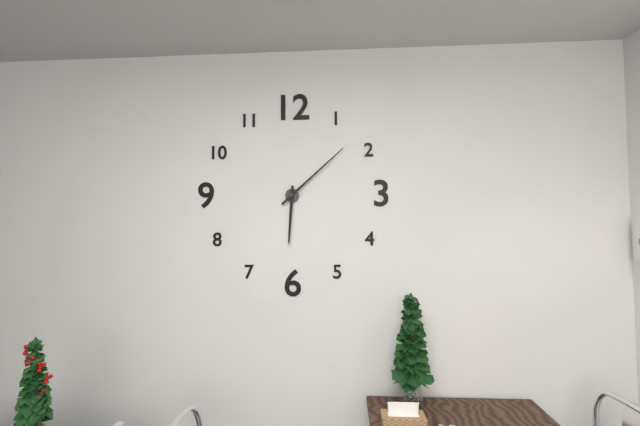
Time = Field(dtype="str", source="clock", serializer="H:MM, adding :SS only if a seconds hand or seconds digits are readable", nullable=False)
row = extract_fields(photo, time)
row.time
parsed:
6:08
